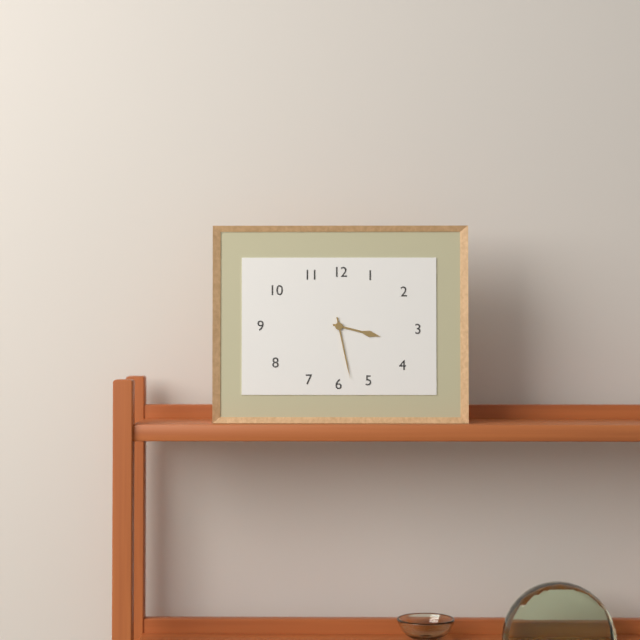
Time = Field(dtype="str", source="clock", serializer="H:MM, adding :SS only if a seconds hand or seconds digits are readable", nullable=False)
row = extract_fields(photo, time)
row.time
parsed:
3:28
